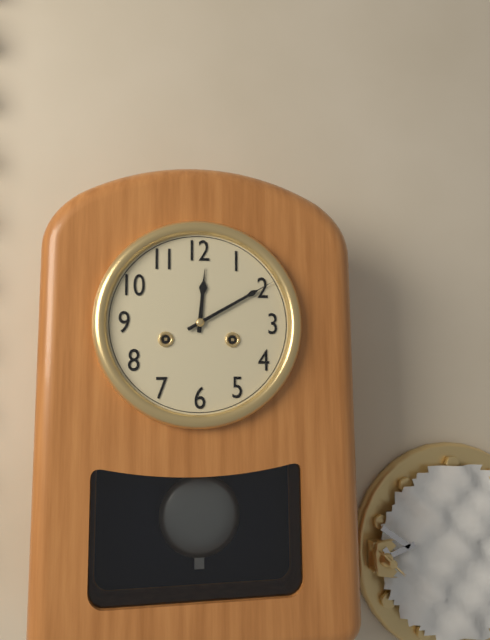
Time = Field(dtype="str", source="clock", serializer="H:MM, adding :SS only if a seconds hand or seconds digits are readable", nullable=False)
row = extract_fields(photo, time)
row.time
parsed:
12:10
